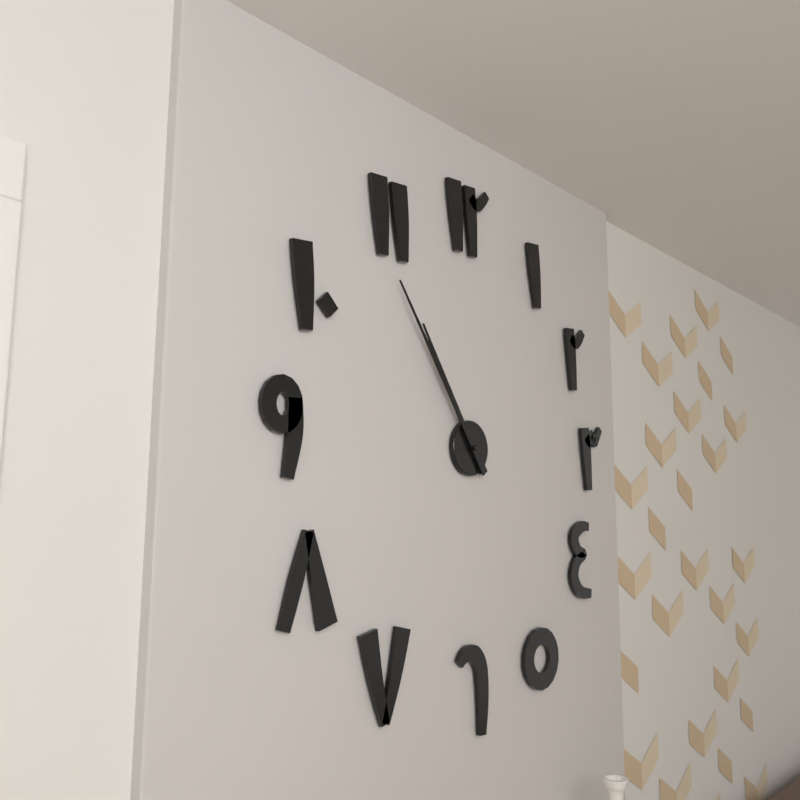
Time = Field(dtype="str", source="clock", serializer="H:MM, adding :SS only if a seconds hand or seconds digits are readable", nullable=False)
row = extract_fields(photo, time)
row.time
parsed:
10:54
